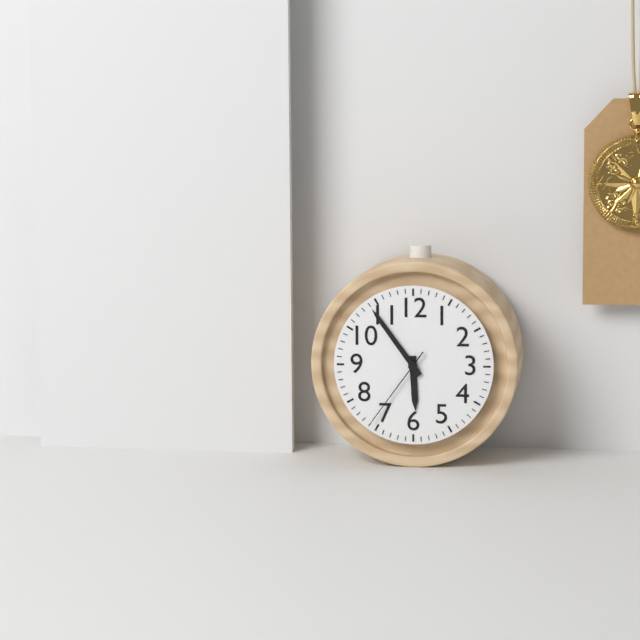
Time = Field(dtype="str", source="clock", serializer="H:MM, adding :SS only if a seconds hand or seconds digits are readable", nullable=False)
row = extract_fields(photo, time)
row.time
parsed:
5:54:36
